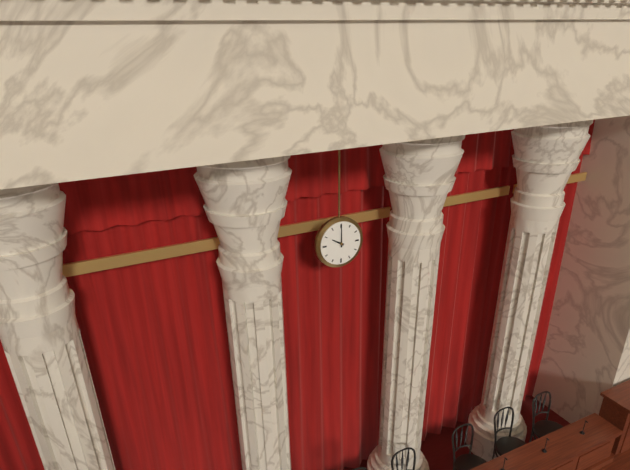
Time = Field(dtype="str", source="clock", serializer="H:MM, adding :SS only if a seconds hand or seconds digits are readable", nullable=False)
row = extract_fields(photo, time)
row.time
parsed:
10:00
